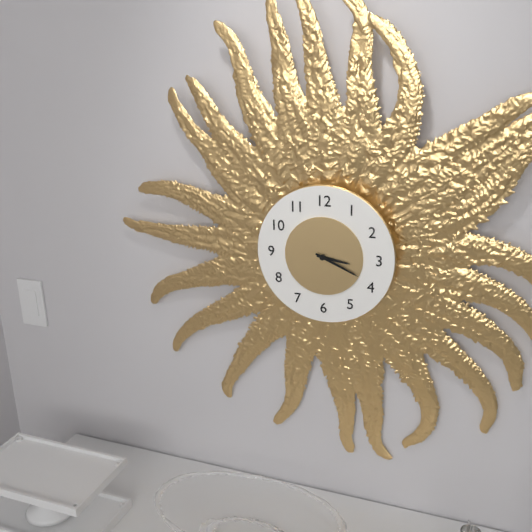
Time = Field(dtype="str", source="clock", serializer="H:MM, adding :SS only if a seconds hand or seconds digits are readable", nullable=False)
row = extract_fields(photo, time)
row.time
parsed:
3:19
